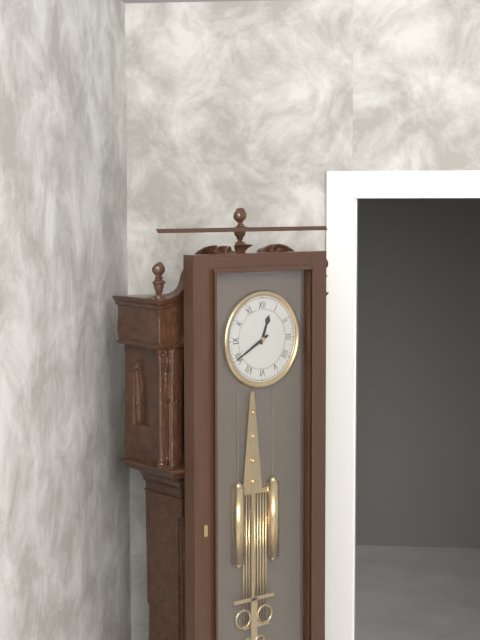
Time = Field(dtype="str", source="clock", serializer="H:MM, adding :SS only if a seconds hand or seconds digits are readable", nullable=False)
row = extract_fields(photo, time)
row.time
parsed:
12:40
